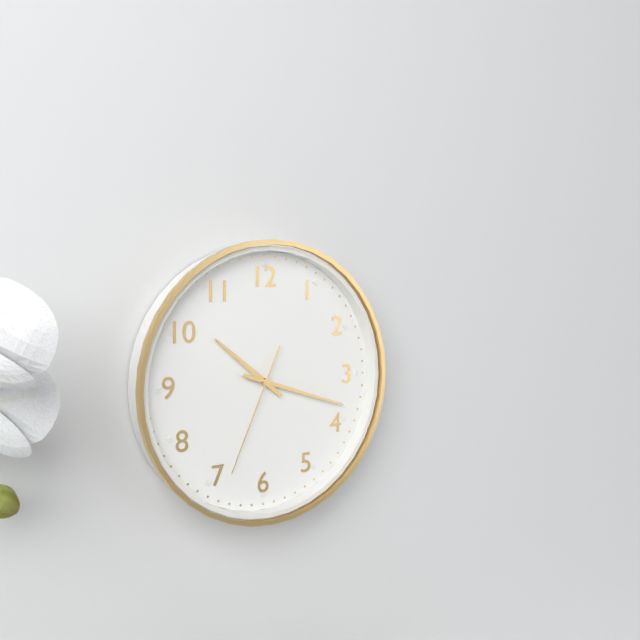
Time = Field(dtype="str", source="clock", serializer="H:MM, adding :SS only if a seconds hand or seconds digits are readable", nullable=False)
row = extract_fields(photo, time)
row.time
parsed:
10:18:34
